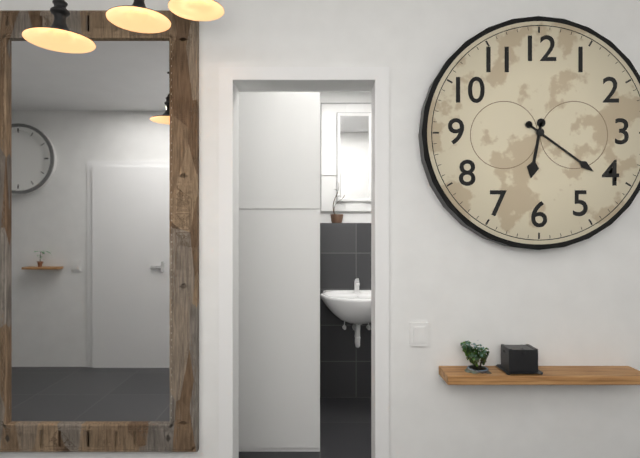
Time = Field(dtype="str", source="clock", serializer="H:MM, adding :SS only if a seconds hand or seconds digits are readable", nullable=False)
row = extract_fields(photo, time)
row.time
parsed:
6:21
